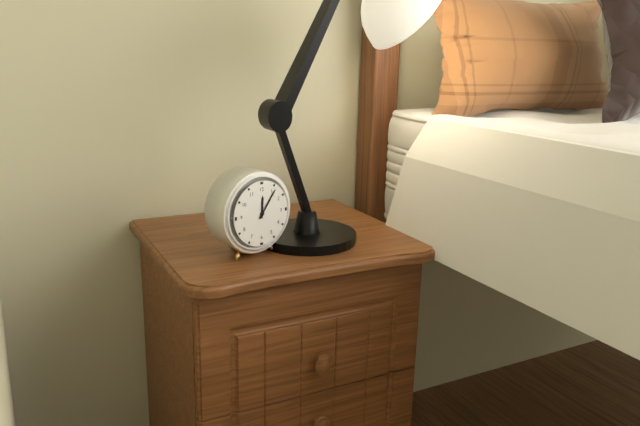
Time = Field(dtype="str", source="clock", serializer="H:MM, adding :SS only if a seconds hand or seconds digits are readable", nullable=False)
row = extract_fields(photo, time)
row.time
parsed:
12:06
